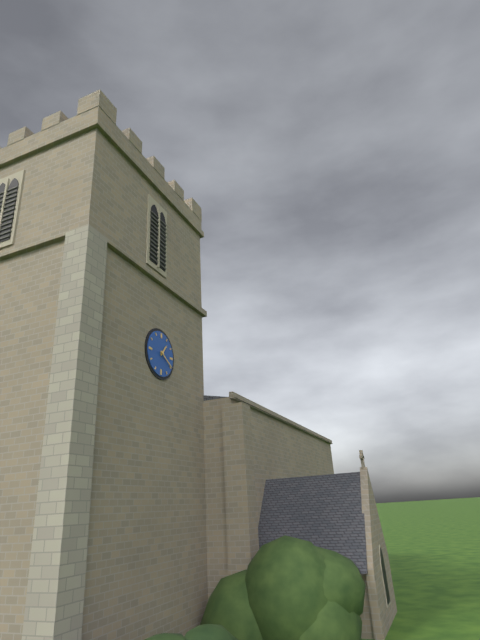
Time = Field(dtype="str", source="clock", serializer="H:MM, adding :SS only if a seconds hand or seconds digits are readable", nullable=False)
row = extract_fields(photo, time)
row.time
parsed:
1:20
